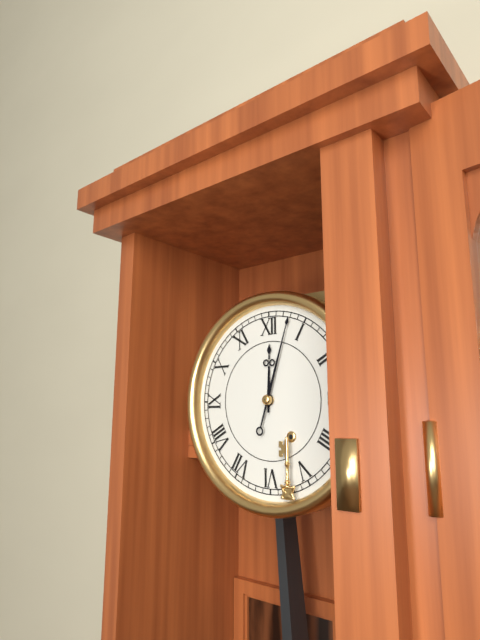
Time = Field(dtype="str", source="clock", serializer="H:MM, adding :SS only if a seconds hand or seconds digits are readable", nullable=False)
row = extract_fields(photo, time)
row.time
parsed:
12:03
